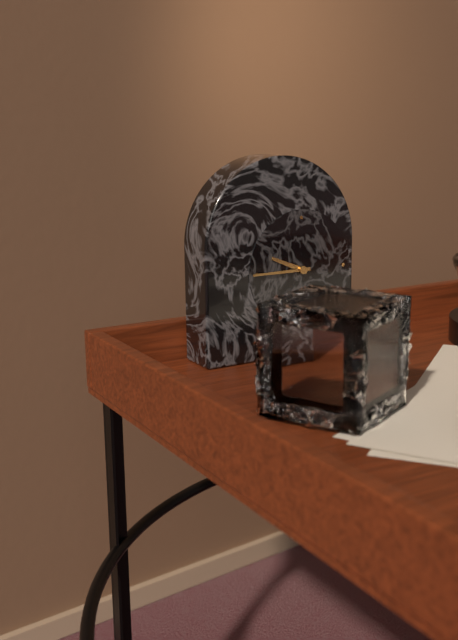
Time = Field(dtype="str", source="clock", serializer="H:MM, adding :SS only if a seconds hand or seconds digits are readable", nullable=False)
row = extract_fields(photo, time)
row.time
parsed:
9:45
